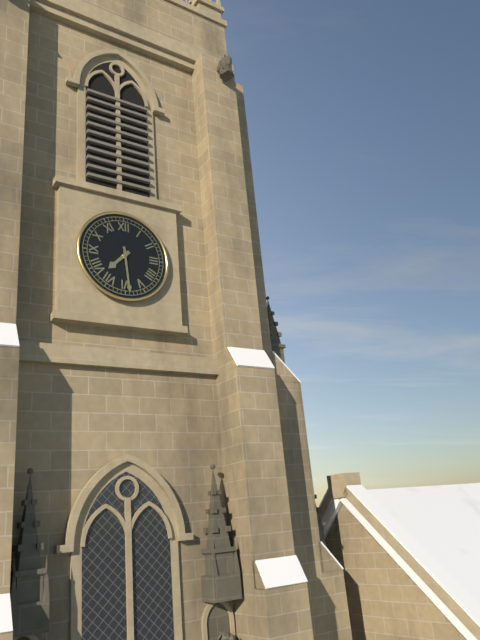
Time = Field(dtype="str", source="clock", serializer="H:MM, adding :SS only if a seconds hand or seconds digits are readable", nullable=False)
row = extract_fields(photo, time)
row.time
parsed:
7:29
